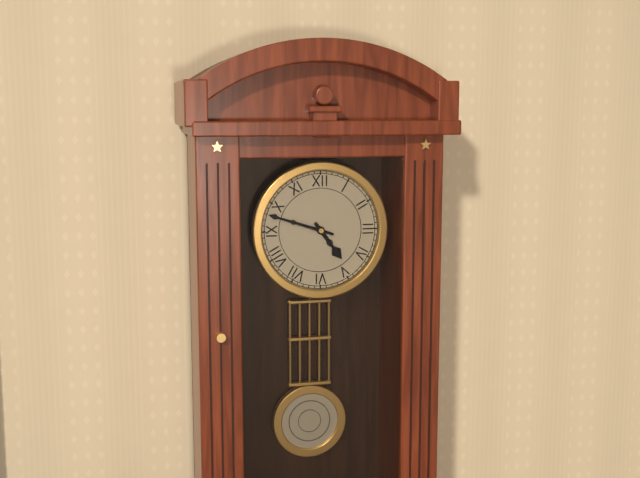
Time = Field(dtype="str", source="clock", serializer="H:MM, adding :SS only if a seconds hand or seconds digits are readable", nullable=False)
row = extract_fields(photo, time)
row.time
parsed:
4:48
